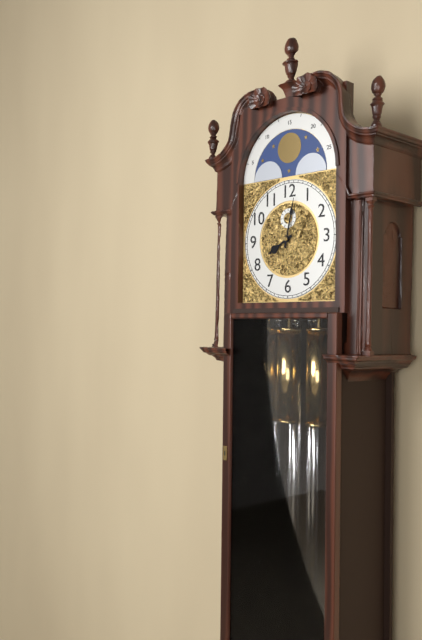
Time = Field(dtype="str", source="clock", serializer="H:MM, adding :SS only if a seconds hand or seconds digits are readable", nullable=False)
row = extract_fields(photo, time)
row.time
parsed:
8:02
